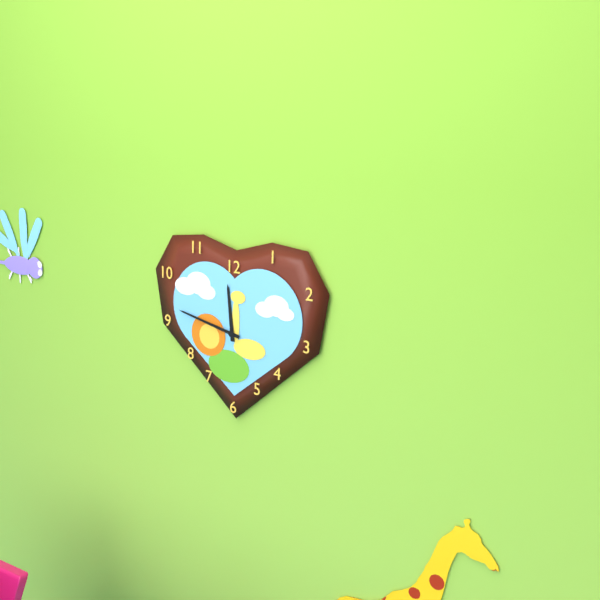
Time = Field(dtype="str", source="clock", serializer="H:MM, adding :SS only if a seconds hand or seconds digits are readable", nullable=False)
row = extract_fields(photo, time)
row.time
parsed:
11:47
